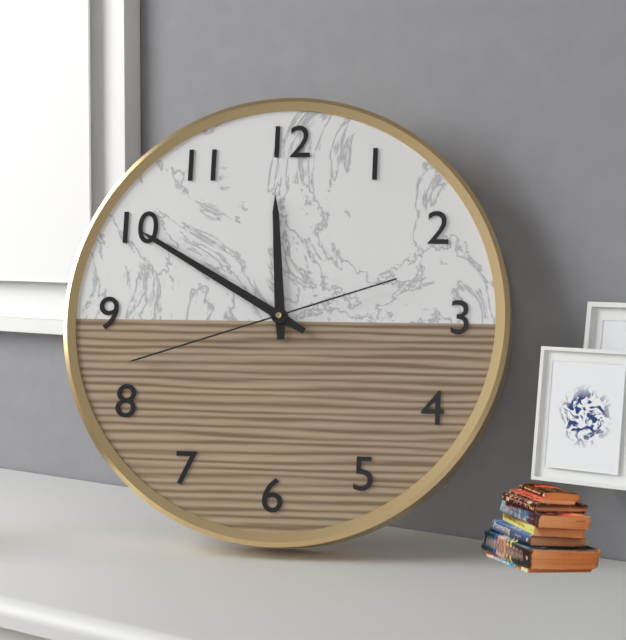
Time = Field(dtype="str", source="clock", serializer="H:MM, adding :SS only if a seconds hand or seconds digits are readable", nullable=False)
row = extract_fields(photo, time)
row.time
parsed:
11:50:42
